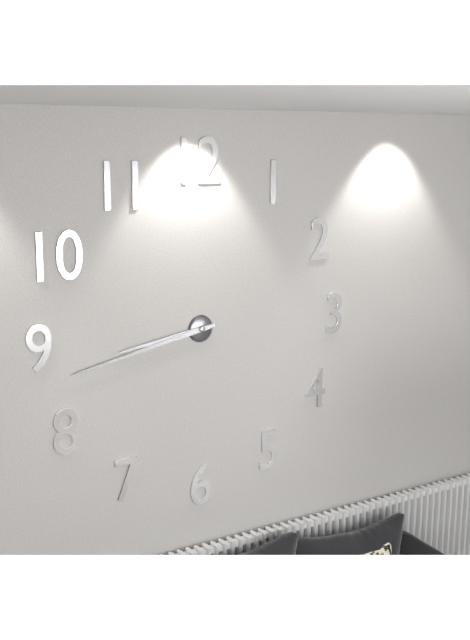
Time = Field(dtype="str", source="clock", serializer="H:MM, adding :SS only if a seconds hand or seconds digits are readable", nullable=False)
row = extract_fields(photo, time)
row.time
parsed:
8:43
